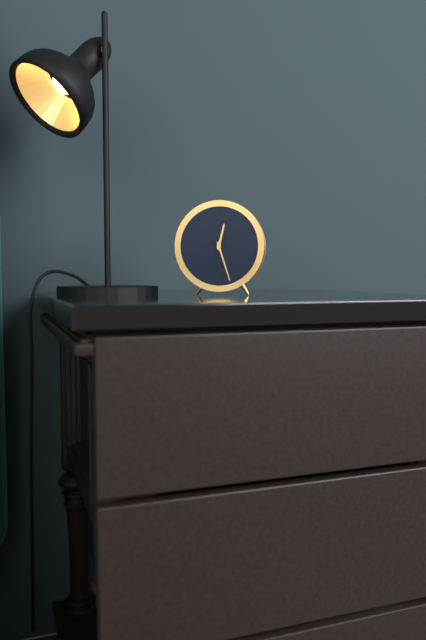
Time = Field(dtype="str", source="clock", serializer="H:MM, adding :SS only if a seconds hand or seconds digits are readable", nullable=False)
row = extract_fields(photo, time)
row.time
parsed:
12:27
